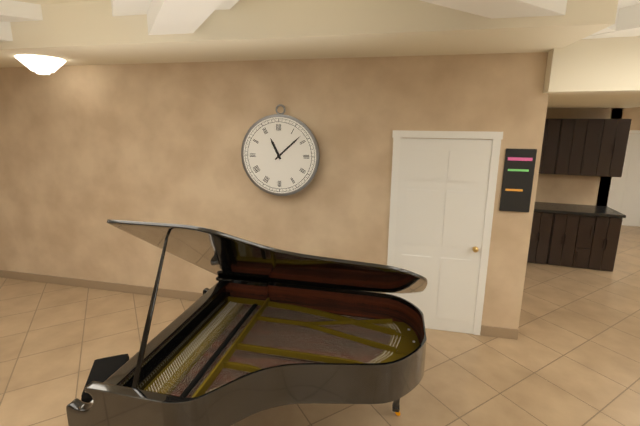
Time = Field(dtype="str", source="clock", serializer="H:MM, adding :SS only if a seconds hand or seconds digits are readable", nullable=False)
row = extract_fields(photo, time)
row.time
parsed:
11:08
